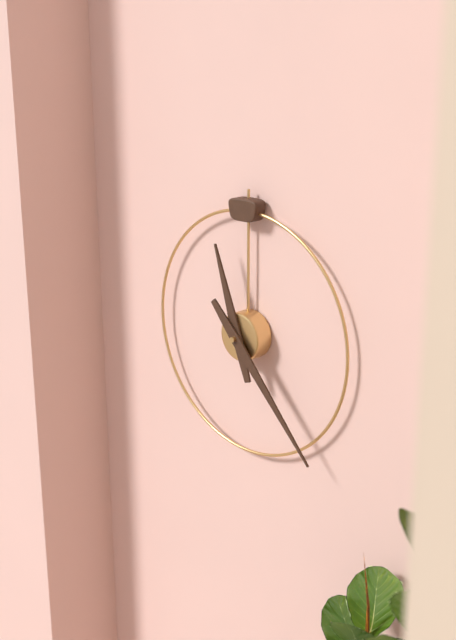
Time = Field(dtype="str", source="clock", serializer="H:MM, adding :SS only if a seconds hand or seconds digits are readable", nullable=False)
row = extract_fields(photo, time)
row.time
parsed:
11:23
